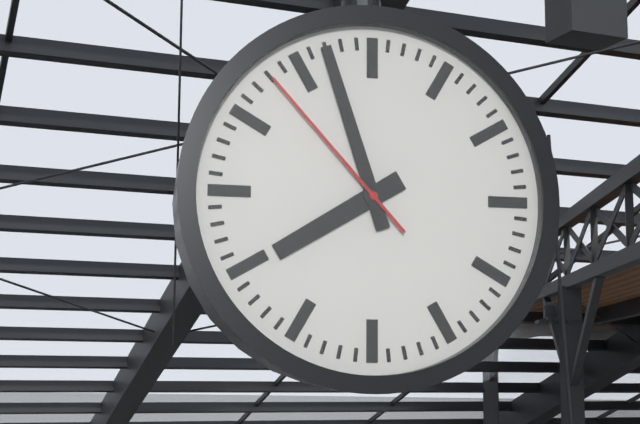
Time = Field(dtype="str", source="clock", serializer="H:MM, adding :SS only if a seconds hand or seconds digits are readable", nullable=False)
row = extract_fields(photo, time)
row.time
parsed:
7:57:53
